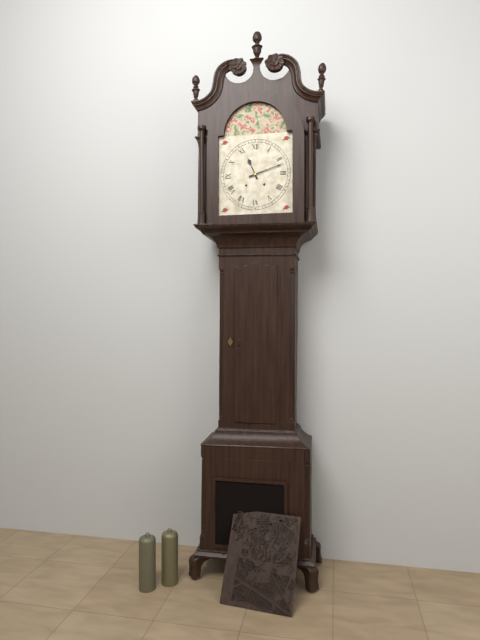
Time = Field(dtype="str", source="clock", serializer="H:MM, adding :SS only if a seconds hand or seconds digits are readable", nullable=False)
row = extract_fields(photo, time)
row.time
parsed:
11:12
